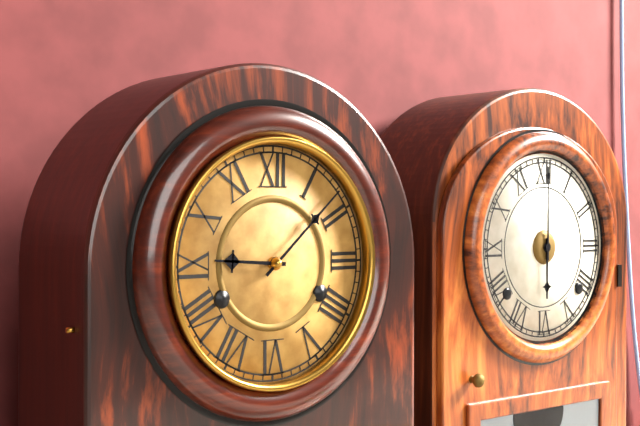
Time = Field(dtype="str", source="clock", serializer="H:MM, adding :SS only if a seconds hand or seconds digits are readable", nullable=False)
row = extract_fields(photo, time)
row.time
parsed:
9:08
